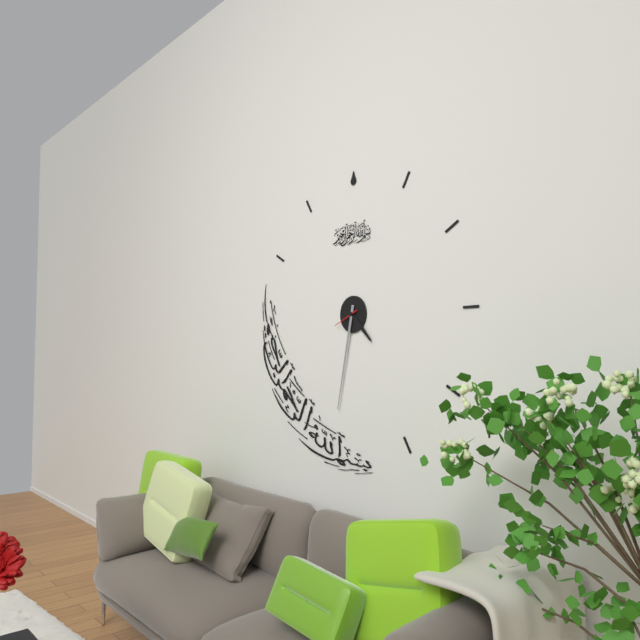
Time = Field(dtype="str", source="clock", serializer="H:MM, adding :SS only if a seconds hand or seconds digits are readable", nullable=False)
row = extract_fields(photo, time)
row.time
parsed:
4:32
